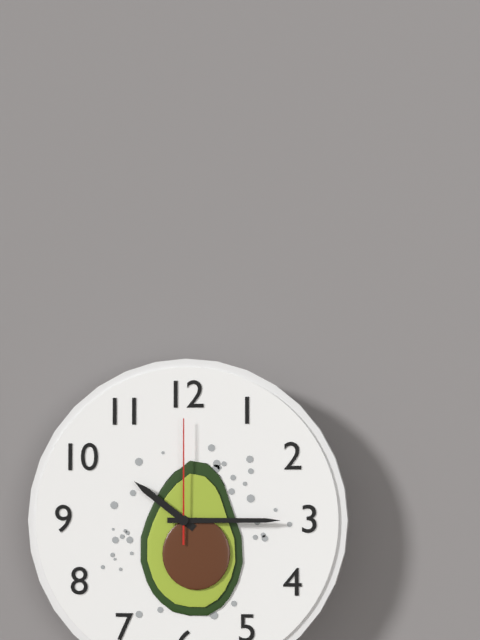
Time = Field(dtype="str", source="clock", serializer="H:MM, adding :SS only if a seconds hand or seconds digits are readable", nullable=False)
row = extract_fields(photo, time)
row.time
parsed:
10:15:00
